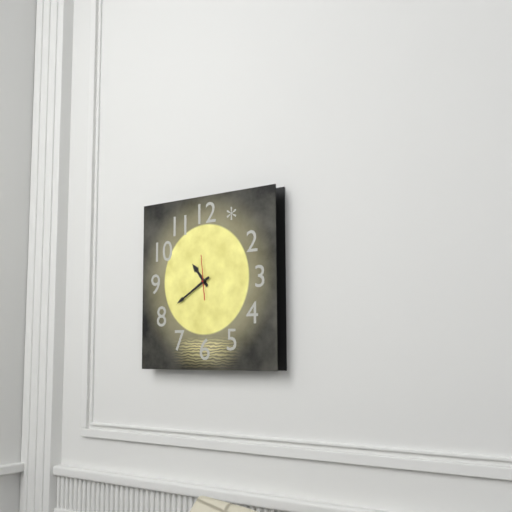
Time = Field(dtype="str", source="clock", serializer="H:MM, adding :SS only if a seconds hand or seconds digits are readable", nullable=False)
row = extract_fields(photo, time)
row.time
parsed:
10:40
